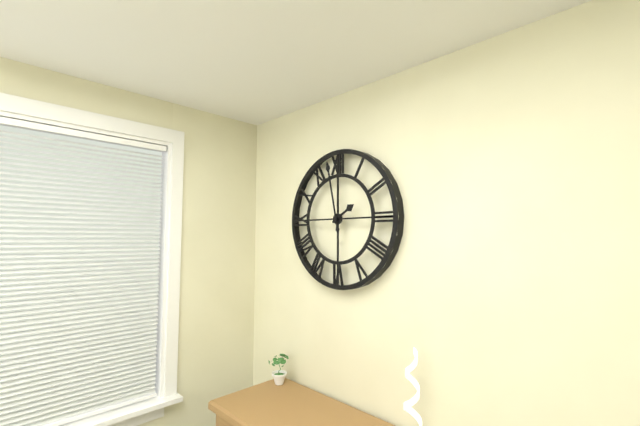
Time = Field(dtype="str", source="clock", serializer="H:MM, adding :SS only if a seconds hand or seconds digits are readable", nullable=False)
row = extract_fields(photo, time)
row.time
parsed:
1:58
